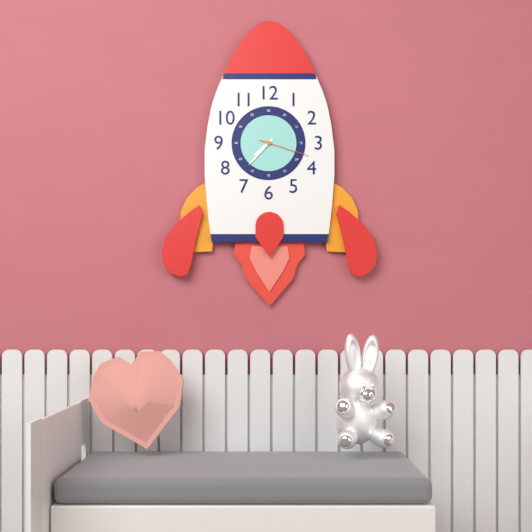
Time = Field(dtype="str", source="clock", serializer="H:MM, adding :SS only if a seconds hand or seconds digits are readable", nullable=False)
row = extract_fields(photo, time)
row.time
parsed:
7:37:18
